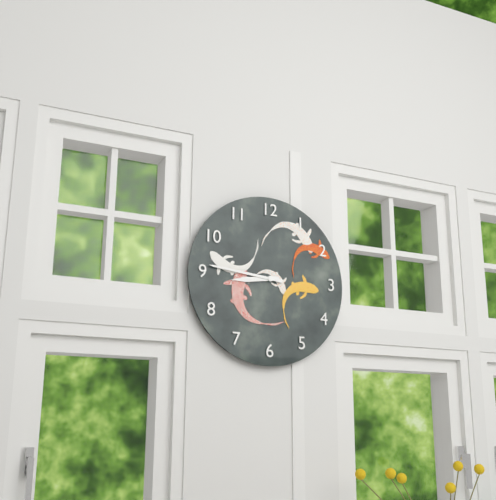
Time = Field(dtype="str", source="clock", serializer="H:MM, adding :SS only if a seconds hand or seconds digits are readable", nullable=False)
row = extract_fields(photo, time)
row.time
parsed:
8:46
